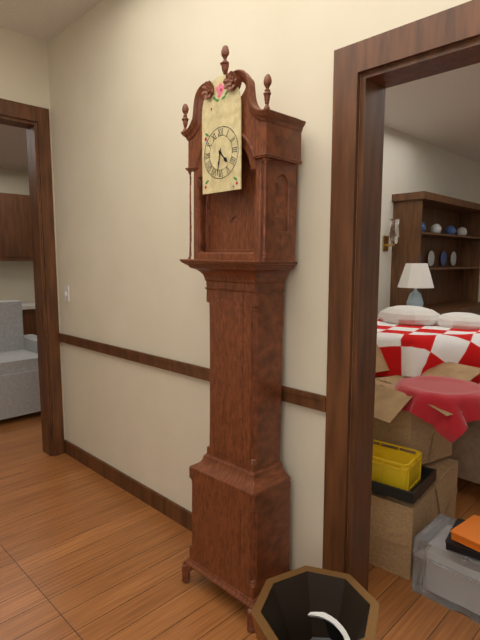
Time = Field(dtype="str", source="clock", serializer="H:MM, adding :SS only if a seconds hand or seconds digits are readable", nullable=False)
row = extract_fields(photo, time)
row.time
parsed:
4:32
